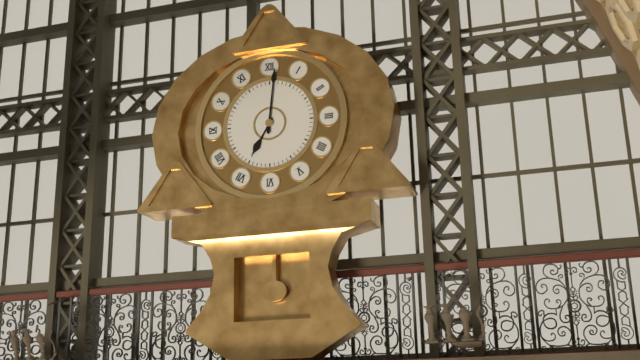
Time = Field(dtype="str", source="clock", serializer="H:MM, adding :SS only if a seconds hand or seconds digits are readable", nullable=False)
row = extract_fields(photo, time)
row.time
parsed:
7:01
